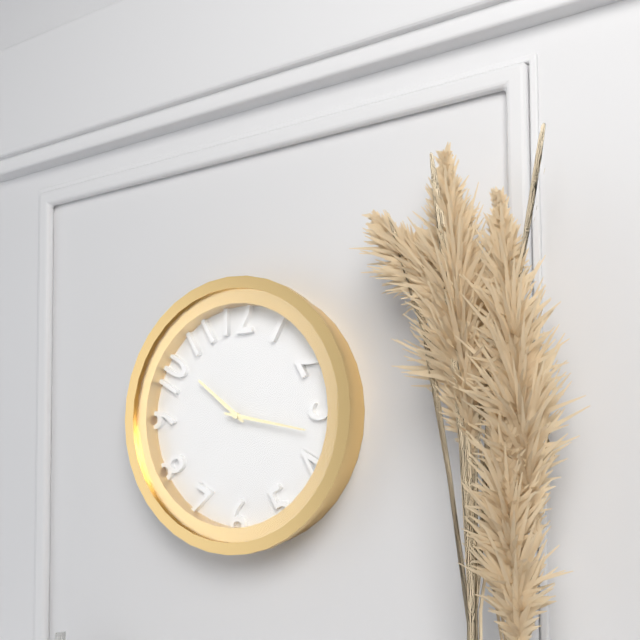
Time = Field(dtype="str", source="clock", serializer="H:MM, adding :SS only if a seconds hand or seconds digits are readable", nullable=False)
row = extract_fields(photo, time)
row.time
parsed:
10:17
